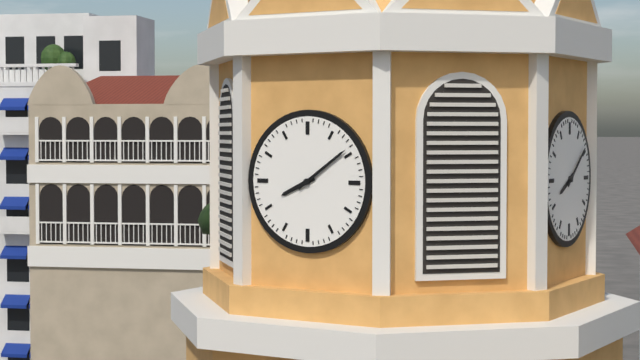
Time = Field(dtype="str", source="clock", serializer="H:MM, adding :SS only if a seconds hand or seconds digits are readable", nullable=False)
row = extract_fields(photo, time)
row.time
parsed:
8:09
